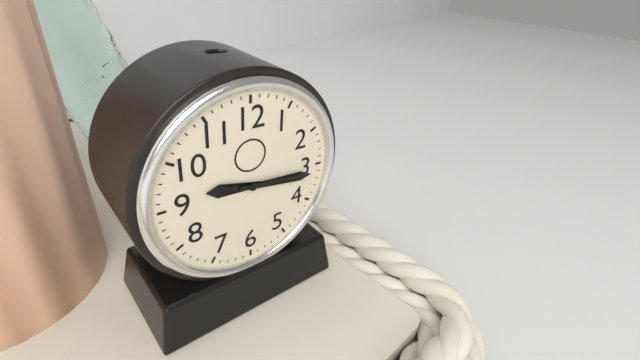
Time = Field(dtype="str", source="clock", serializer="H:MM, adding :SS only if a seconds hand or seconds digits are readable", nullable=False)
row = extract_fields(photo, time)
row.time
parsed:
9:16
